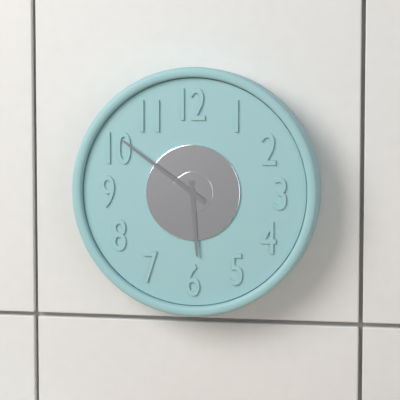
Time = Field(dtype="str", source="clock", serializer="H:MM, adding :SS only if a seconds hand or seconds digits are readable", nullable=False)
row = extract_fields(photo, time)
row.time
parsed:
5:51
